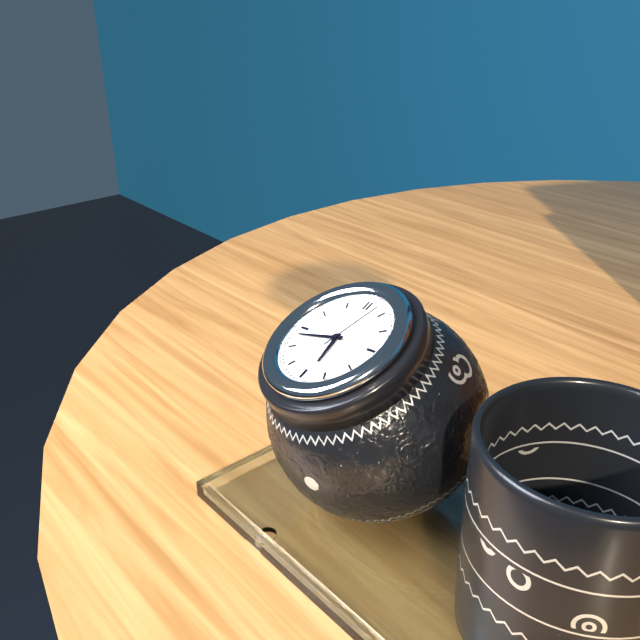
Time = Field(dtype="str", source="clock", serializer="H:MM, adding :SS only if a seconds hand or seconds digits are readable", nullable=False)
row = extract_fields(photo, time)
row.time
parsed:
5:43:03
